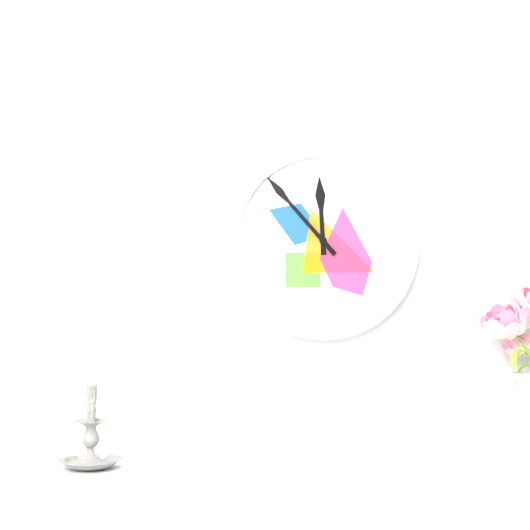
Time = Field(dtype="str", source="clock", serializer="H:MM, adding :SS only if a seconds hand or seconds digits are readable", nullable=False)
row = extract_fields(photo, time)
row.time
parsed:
11:53
